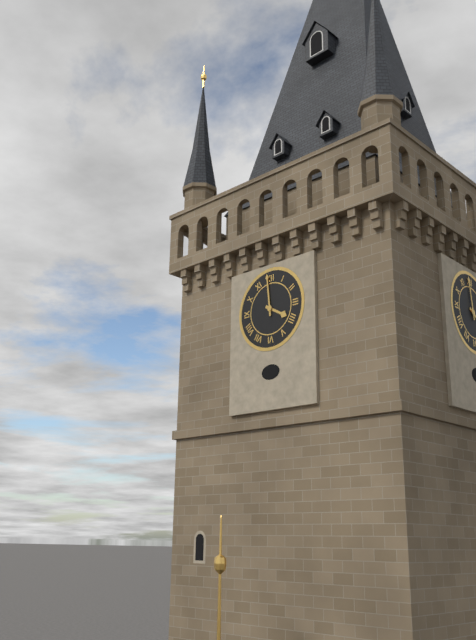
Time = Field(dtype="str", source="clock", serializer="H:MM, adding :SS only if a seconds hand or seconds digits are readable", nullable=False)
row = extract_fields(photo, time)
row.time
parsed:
3:59
